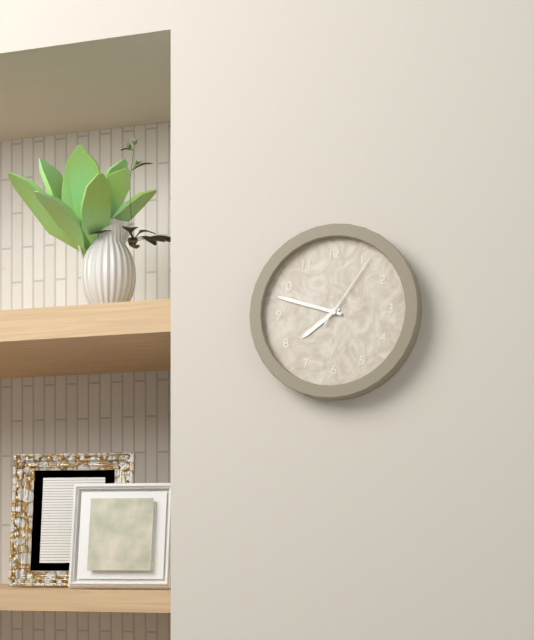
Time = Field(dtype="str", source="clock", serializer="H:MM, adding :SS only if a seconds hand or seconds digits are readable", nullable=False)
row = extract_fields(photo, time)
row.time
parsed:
7:48:06
